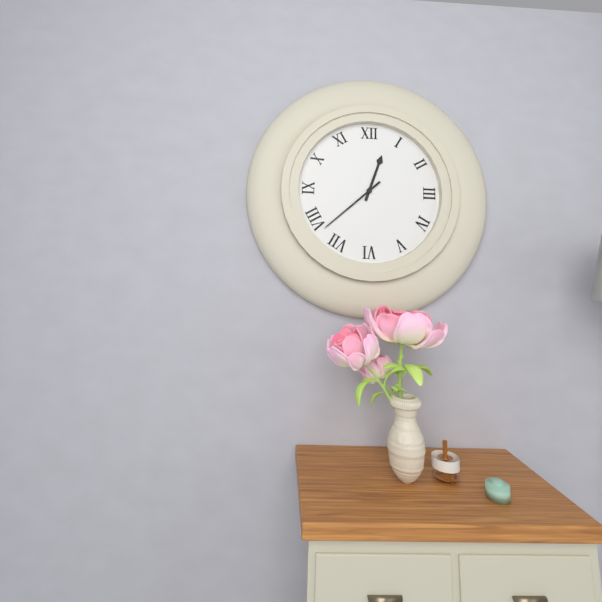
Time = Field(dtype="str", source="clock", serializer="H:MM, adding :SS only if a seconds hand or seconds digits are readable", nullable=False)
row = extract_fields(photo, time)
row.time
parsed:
12:38
